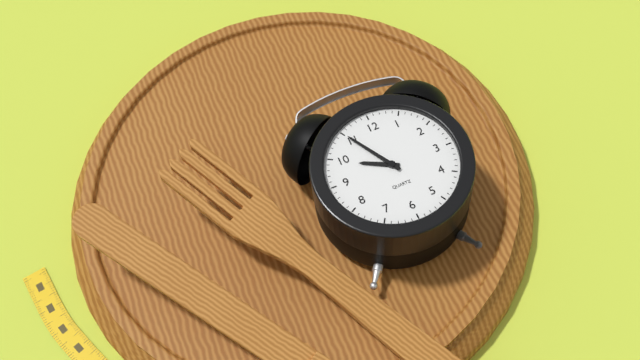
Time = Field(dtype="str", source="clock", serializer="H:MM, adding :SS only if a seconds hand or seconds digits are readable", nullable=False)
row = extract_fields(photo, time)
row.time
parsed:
9:55
